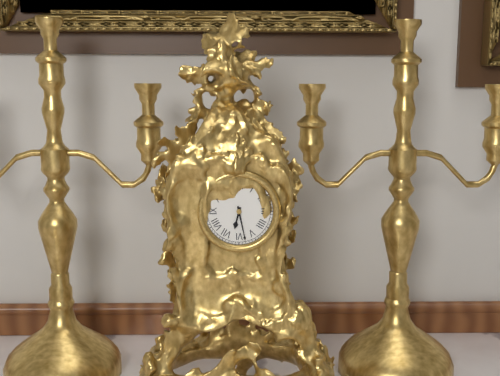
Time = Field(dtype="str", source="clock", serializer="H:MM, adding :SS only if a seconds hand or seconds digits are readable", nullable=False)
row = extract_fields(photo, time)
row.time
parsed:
6:28
